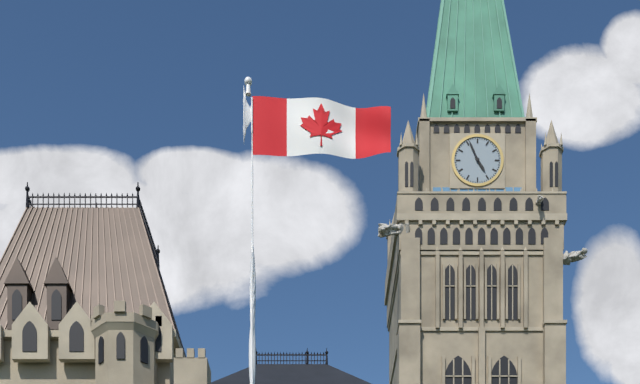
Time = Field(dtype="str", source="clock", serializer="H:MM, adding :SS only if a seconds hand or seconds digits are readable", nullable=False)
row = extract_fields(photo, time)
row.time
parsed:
4:56
